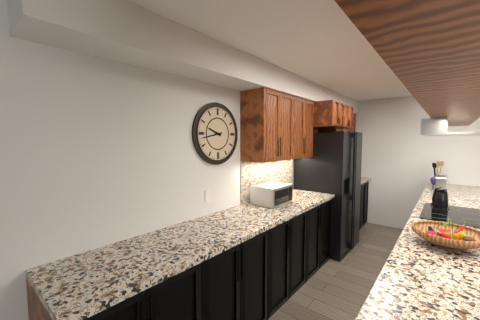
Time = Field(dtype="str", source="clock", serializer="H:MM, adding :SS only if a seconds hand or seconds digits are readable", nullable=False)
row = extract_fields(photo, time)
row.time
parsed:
9:43
